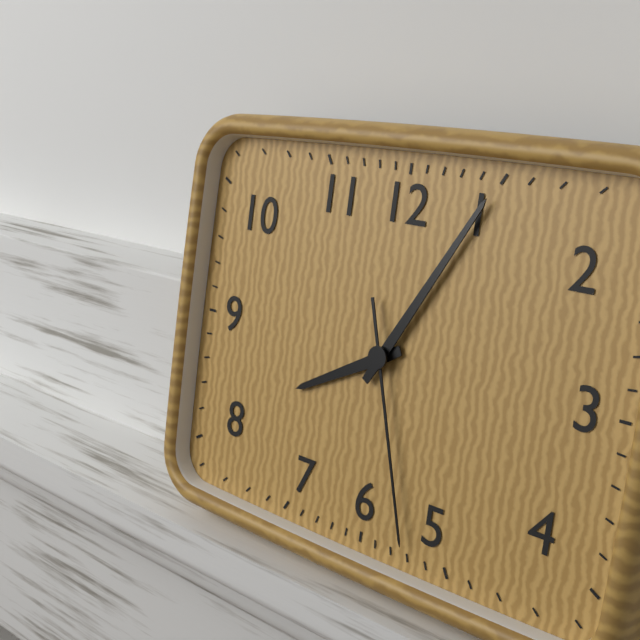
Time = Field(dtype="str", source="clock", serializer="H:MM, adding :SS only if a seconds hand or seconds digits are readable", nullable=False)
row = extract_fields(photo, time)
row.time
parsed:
8:05:27
